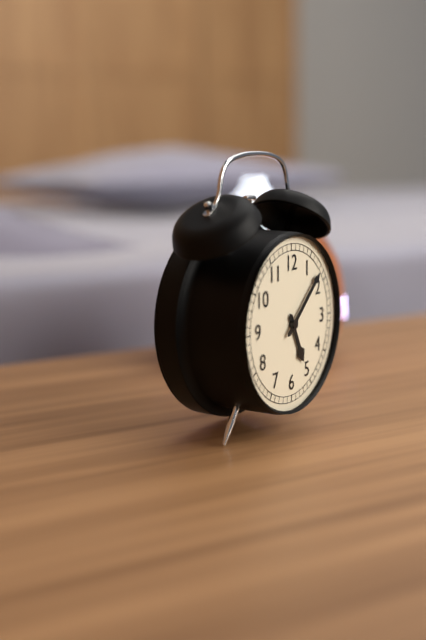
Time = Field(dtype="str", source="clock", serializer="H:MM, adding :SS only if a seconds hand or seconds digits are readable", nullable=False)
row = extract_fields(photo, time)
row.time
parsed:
5:08
